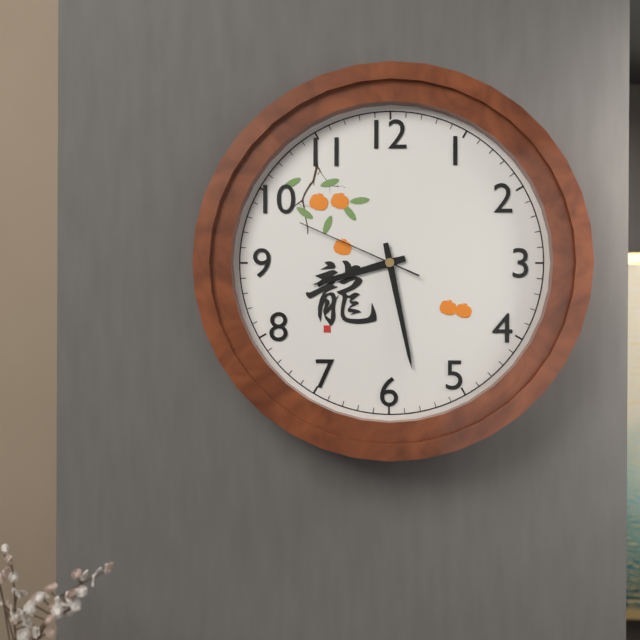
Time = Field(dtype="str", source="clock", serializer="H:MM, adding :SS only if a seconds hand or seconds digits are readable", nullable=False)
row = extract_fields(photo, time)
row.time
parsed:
8:28:49
